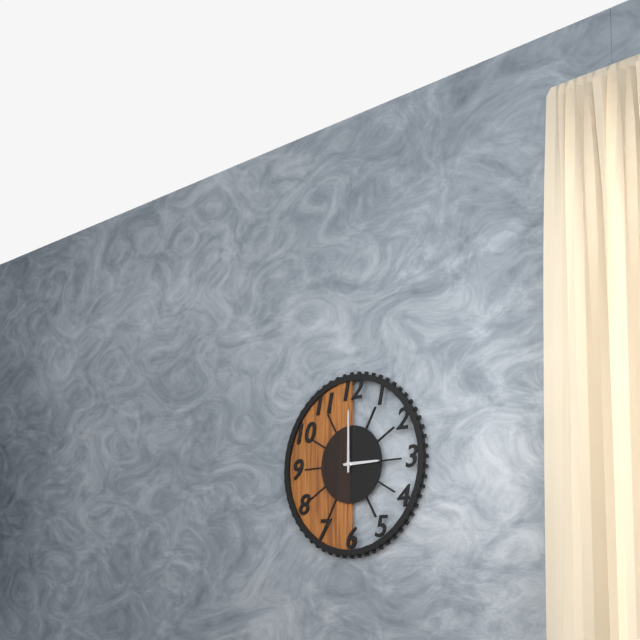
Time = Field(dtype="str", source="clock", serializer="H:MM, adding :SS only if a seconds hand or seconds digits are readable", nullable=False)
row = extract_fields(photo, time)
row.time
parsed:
3:00
